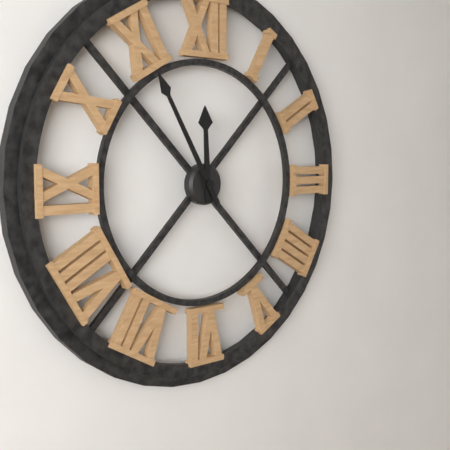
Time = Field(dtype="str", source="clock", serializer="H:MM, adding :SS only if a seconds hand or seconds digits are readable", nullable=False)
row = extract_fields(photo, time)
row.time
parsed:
11:55
